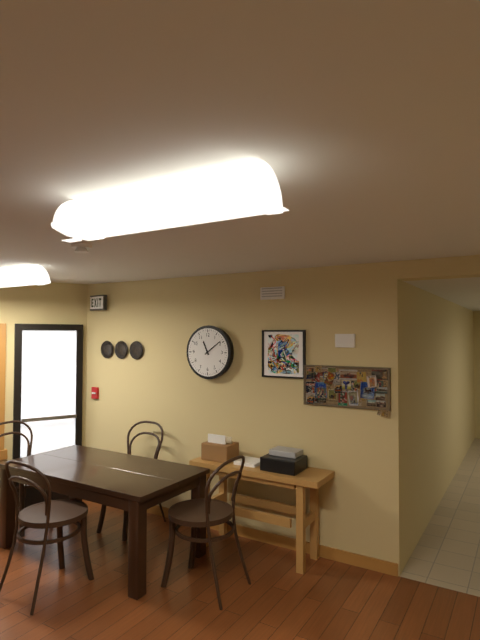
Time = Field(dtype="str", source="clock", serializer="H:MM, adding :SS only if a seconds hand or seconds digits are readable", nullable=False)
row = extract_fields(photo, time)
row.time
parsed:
11:09
